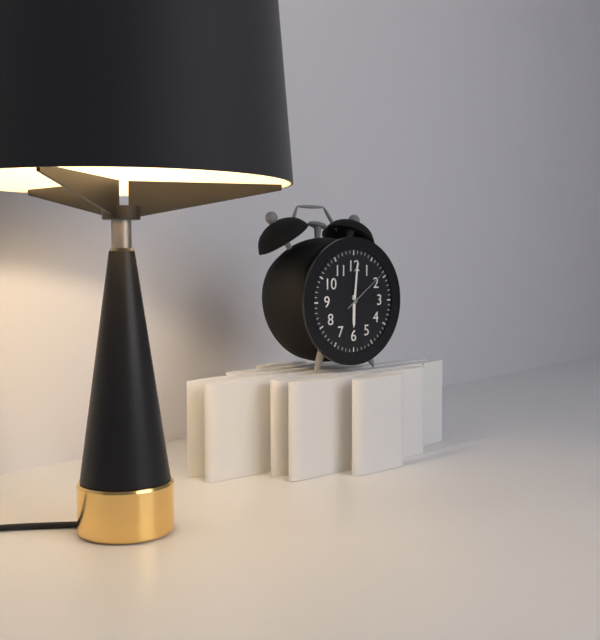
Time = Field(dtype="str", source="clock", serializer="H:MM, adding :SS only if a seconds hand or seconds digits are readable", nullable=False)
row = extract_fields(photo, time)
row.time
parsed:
6:01
